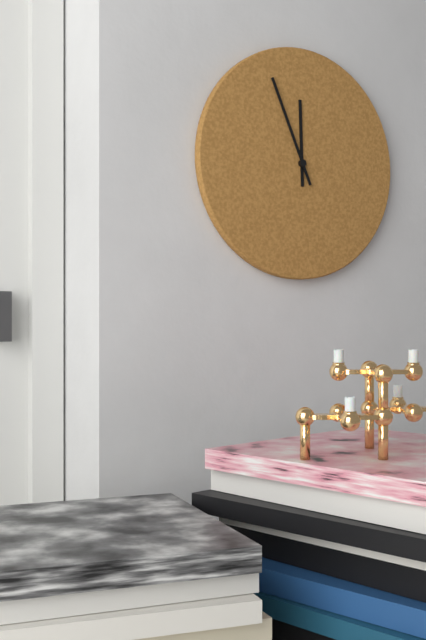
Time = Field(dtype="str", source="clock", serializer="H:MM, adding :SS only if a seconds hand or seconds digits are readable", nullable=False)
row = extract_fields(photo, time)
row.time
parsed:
11:56
